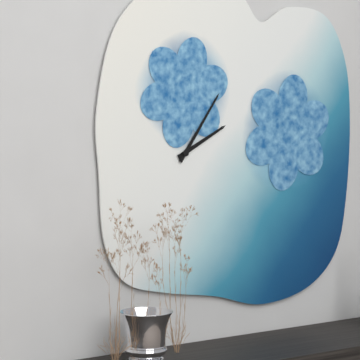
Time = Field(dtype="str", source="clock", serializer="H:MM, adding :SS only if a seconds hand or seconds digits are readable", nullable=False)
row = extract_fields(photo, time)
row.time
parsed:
2:06
